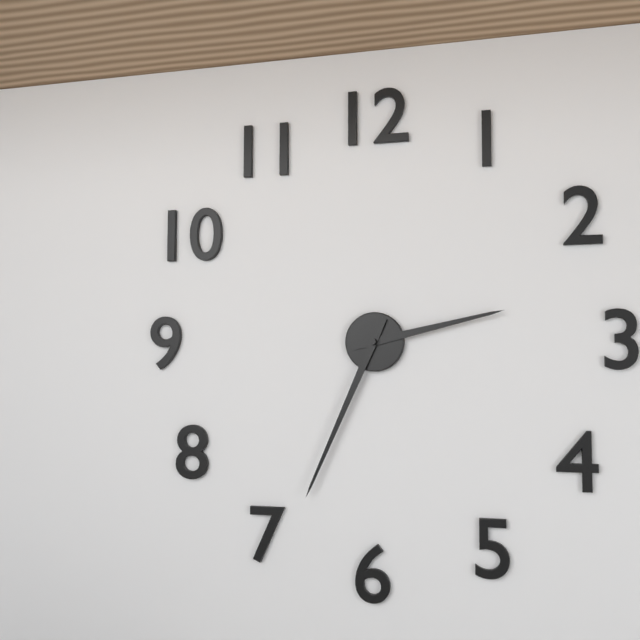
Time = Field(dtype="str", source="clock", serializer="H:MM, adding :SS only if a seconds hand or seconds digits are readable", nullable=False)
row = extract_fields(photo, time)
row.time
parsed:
2:34
